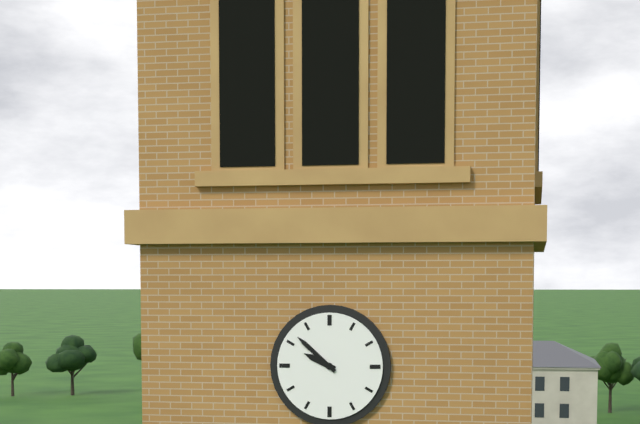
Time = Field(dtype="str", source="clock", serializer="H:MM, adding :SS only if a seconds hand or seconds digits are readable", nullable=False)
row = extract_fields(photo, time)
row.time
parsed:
9:52
